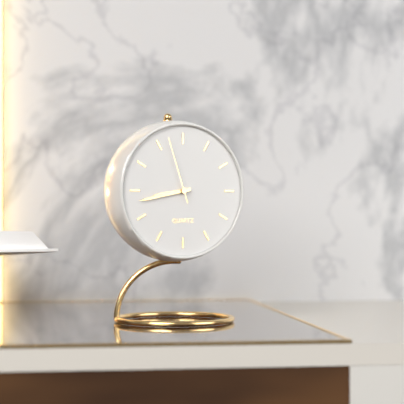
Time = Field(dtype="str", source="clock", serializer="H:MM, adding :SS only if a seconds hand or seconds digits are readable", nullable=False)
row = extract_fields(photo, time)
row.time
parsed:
8:43:57
